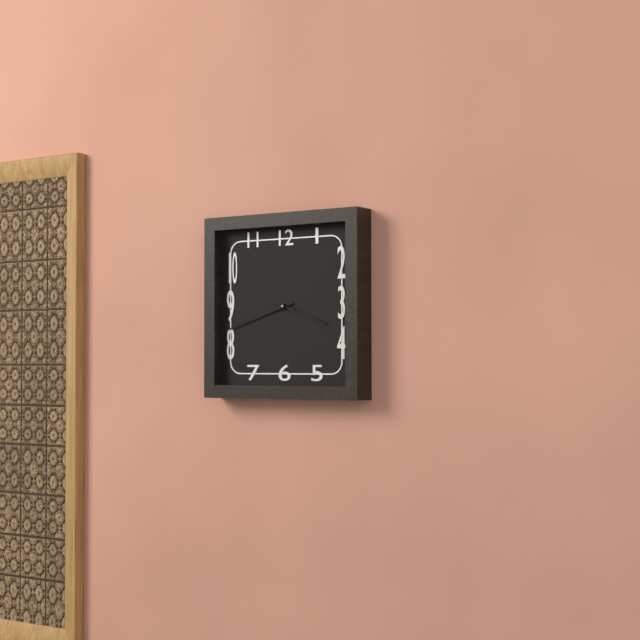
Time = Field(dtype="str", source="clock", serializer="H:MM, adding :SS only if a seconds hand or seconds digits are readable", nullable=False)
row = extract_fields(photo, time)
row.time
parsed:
3:42:18
